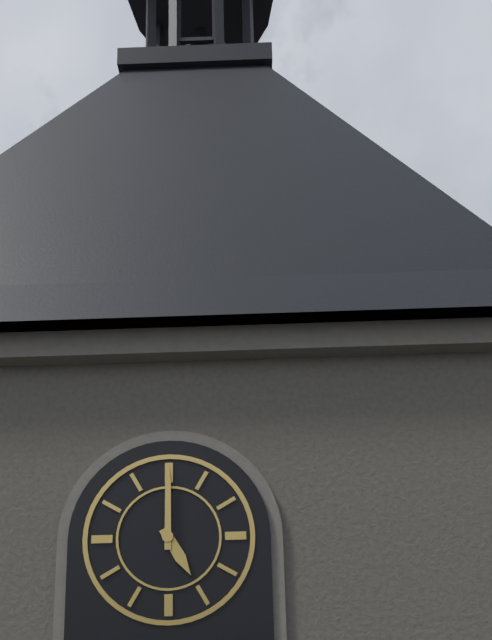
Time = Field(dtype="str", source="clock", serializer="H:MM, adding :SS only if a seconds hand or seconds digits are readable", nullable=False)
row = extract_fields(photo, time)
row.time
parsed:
5:00
